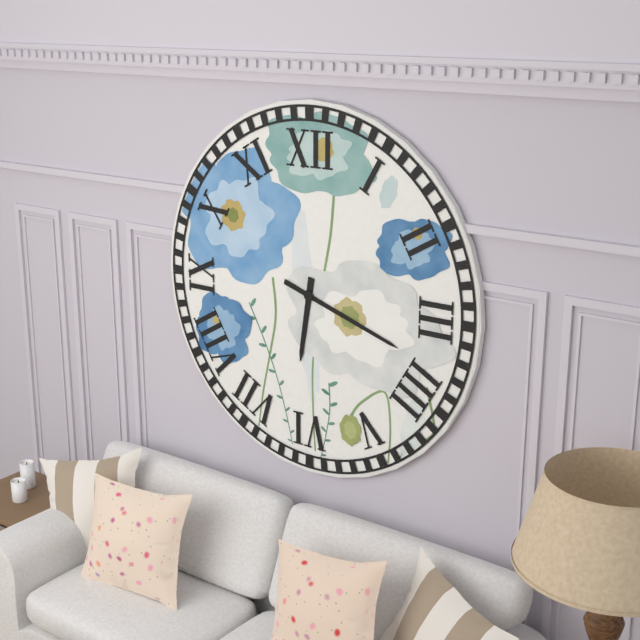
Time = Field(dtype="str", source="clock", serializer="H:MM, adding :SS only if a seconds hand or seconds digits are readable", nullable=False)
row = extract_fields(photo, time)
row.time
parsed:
6:18
